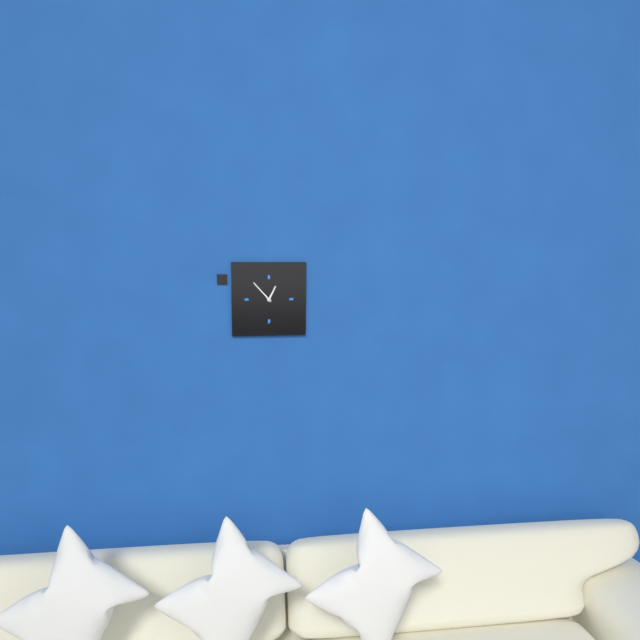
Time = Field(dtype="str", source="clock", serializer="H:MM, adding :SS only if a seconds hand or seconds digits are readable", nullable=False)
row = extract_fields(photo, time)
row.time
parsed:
12:53
